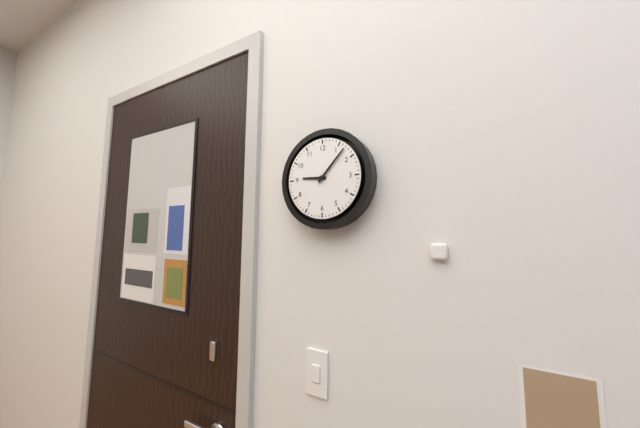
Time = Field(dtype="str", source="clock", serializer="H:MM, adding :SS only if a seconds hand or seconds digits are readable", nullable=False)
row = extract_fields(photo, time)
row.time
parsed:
9:07
